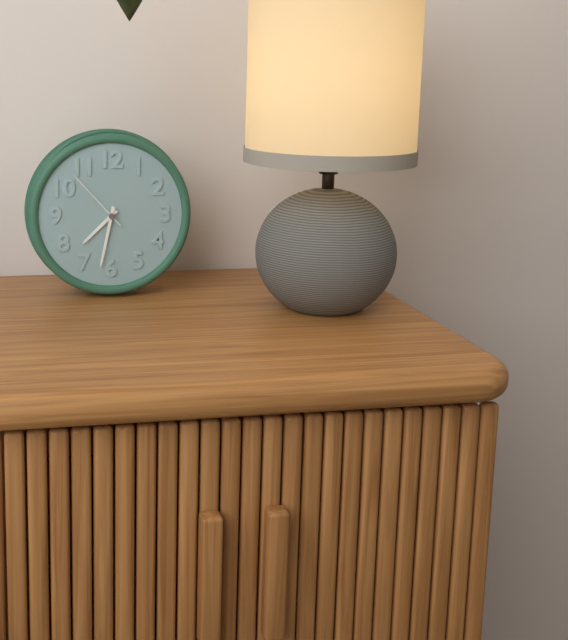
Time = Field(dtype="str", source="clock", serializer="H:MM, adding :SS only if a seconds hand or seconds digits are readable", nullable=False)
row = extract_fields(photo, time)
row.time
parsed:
7:32:53
